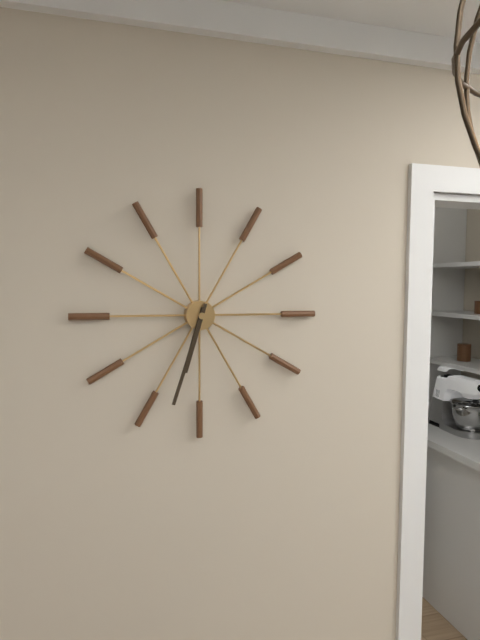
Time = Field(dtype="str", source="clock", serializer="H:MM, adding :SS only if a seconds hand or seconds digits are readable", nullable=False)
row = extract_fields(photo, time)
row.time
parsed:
6:33
